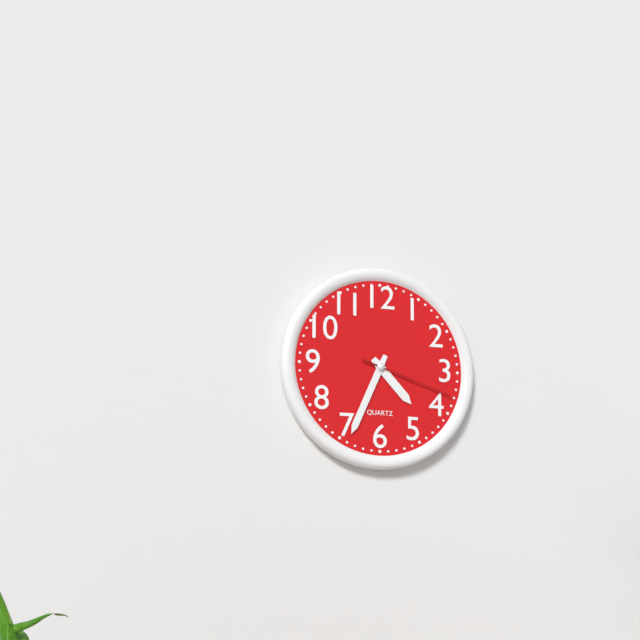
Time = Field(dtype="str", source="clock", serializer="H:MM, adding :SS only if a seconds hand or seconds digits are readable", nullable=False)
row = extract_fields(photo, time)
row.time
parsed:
4:34:18
